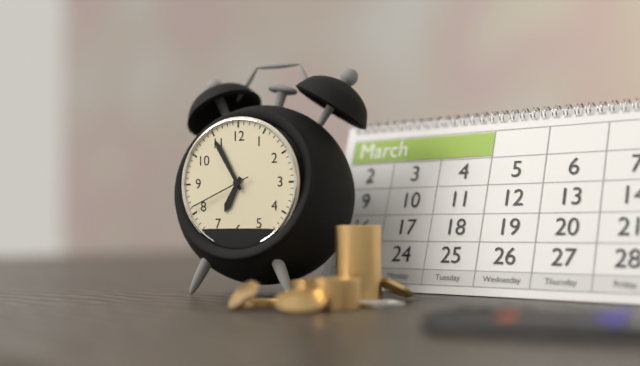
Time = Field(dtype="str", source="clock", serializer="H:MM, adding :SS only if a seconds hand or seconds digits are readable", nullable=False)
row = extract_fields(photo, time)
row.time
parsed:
6:55:41
